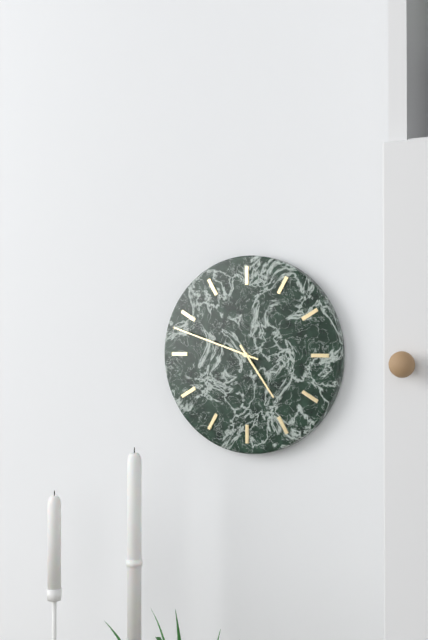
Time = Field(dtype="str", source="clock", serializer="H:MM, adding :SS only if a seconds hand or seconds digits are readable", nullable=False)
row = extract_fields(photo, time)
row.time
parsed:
4:48
